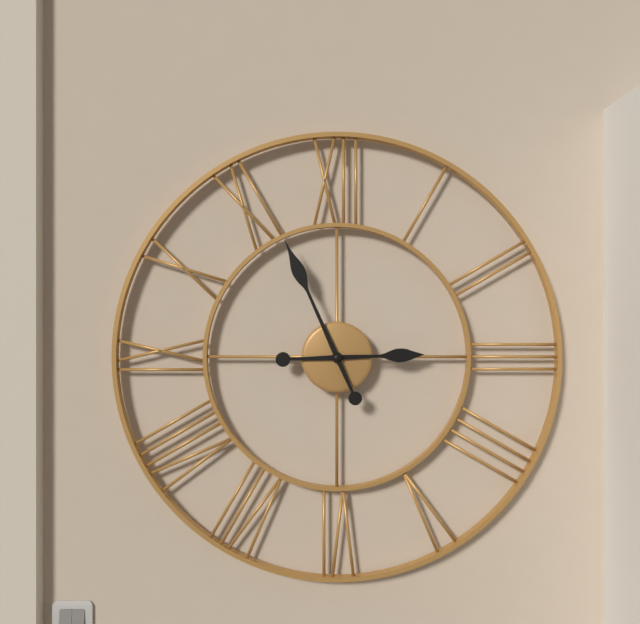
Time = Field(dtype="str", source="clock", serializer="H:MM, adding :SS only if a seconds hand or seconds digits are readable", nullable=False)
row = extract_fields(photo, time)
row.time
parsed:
2:56
